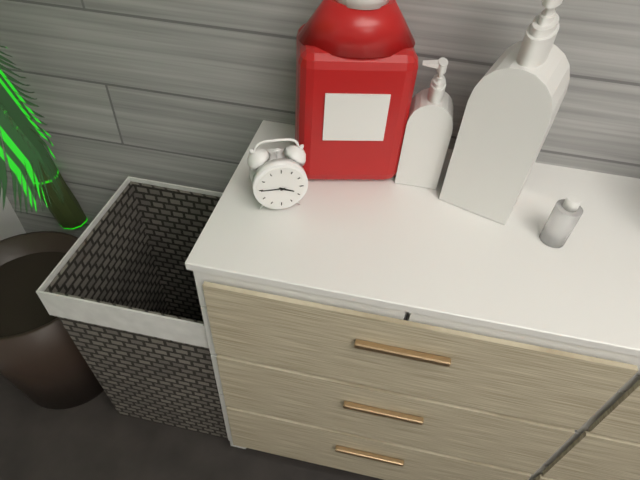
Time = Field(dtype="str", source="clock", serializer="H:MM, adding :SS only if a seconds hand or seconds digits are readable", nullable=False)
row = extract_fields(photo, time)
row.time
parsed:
3:45
